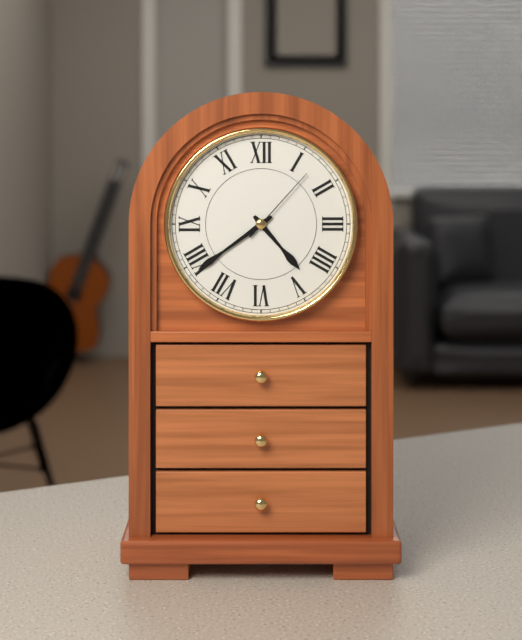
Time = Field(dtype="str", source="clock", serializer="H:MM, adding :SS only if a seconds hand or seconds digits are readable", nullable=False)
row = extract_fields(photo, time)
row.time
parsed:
4:39:07
